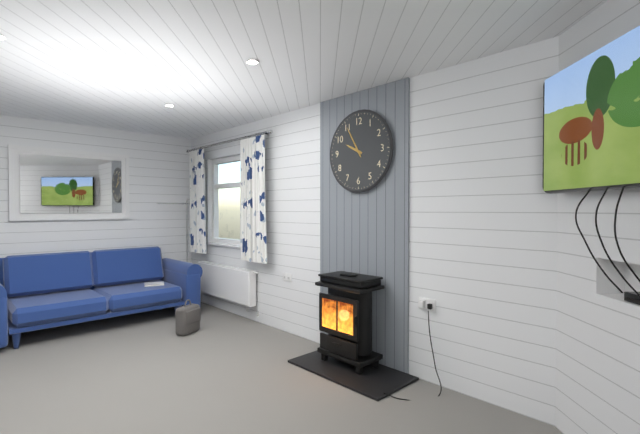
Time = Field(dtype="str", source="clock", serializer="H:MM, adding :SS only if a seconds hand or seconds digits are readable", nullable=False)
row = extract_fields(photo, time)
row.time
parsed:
9:55
